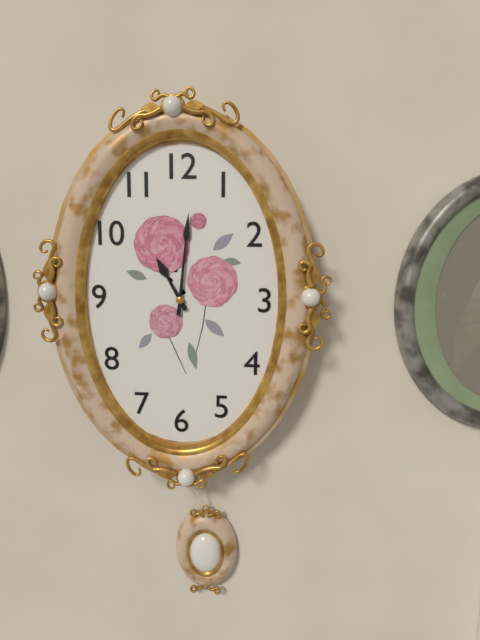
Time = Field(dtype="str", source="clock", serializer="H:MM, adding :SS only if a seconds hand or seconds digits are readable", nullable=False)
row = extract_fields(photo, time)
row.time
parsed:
11:01
